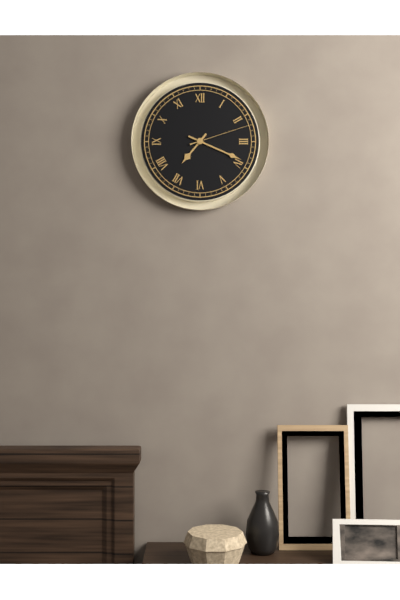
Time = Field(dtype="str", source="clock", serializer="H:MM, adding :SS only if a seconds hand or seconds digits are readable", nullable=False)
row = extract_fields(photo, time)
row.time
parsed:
7:19:12
